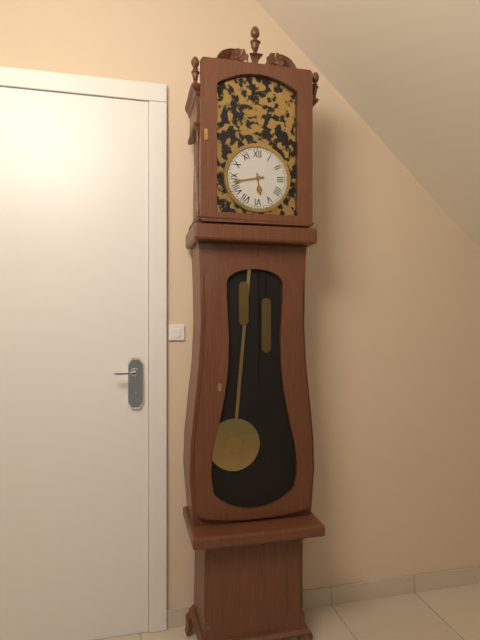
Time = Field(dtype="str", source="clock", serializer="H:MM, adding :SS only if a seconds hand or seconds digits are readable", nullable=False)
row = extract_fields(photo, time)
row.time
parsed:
5:43
